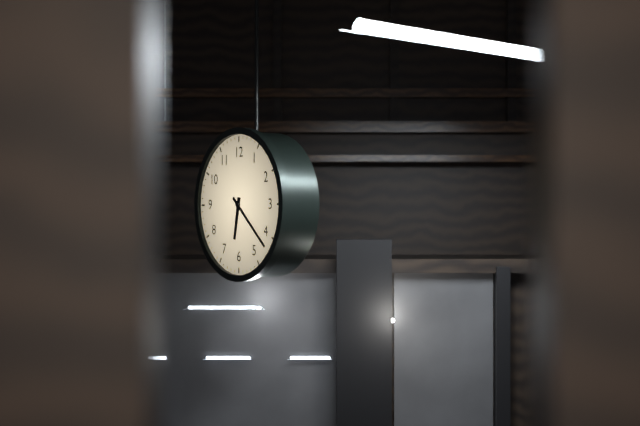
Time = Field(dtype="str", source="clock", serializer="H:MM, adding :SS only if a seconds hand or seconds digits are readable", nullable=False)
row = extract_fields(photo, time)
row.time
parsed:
6:22
